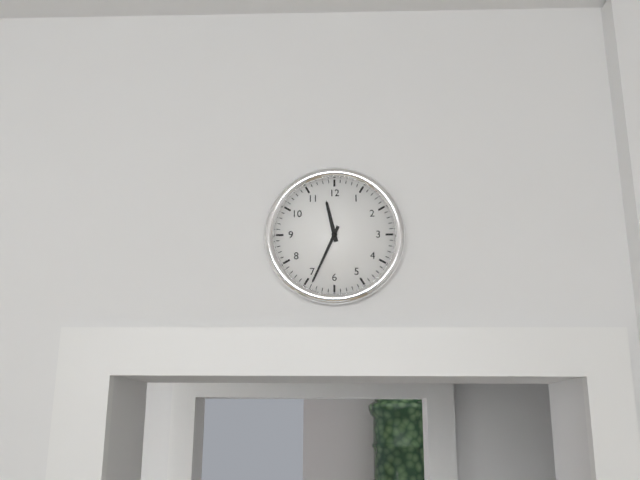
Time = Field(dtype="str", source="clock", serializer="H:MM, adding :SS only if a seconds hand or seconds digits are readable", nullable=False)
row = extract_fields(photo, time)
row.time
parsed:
11:34
